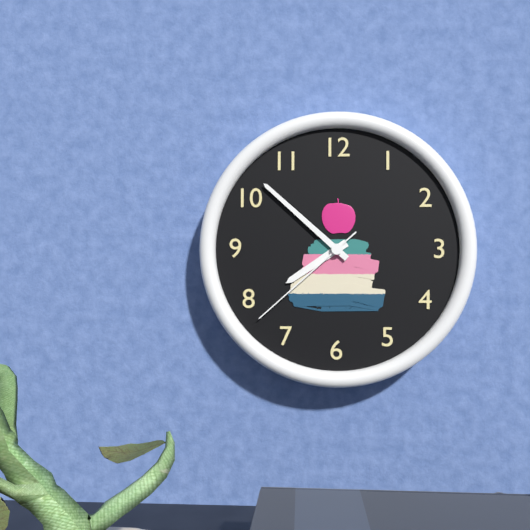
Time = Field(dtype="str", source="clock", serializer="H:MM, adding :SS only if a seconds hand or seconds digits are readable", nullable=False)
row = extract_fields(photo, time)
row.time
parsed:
7:52:38
